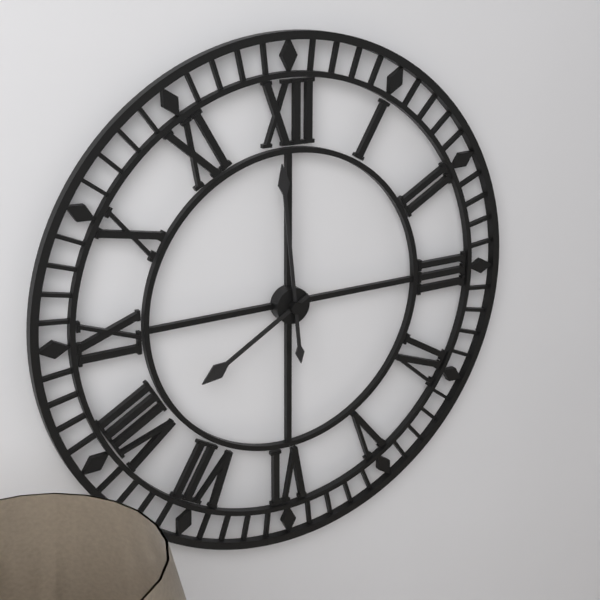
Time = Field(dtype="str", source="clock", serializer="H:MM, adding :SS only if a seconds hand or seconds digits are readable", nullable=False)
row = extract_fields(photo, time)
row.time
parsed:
7:59
